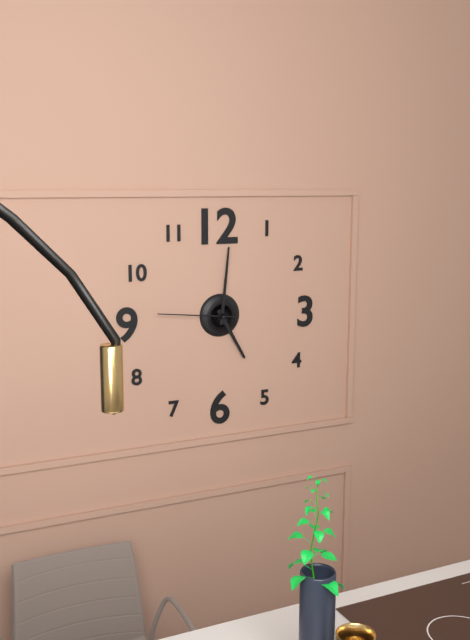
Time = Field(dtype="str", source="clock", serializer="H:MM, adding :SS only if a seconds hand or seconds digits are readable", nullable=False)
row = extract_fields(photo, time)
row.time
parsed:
5:01:46
